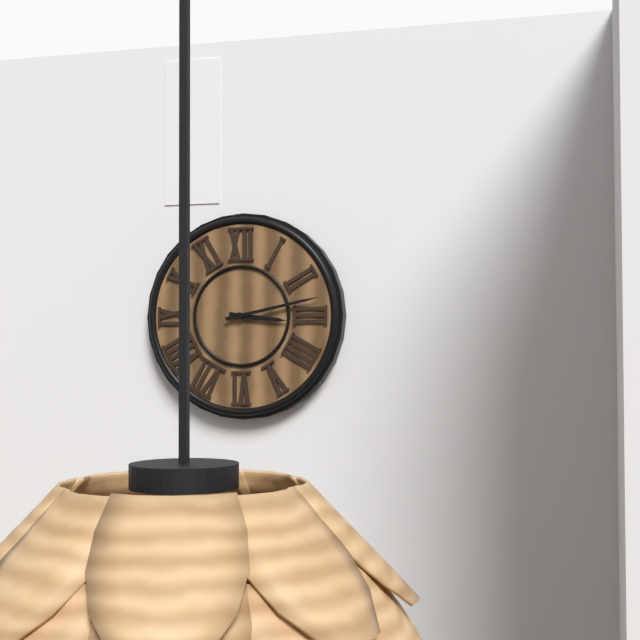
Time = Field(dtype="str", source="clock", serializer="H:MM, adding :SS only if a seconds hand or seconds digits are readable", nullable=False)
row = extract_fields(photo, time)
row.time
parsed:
3:13
